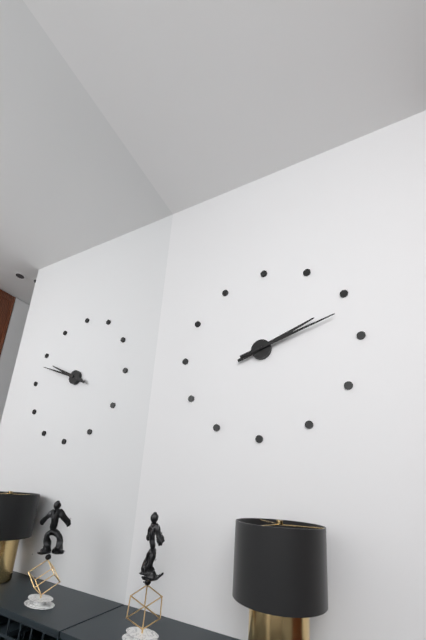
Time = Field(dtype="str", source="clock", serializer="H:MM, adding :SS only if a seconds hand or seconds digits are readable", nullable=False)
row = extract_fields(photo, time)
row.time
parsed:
2:12
